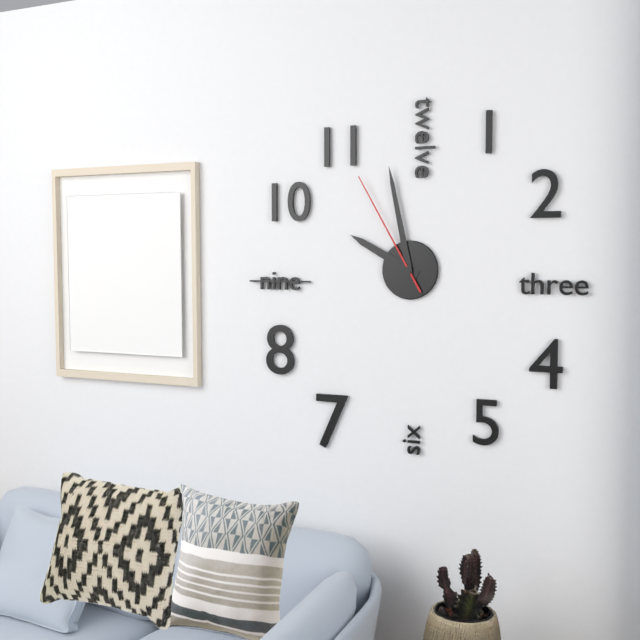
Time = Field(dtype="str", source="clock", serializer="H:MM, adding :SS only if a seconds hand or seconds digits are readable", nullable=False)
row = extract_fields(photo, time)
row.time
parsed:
9:58:55
